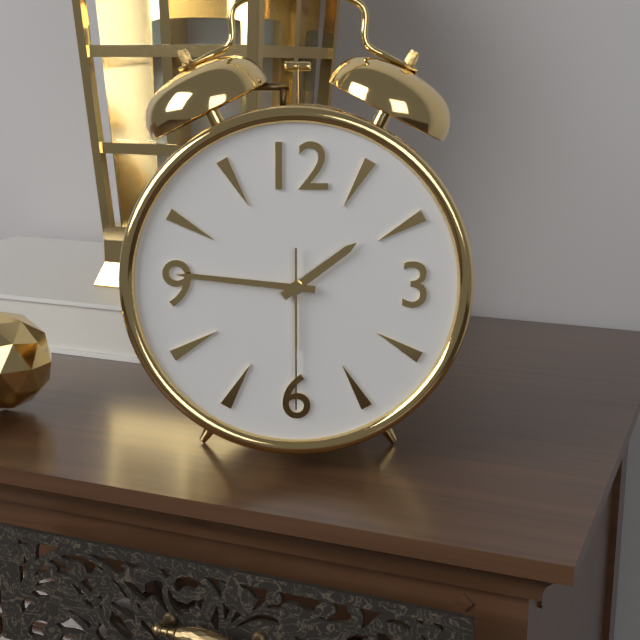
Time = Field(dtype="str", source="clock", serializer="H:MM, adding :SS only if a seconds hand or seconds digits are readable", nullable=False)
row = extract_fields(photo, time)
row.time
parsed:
1:46:30
